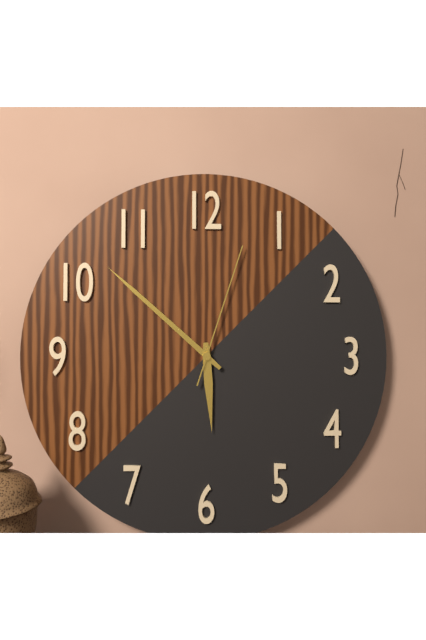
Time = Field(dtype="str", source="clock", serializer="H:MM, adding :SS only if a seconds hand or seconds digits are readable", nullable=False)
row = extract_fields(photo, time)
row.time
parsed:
5:52:03
